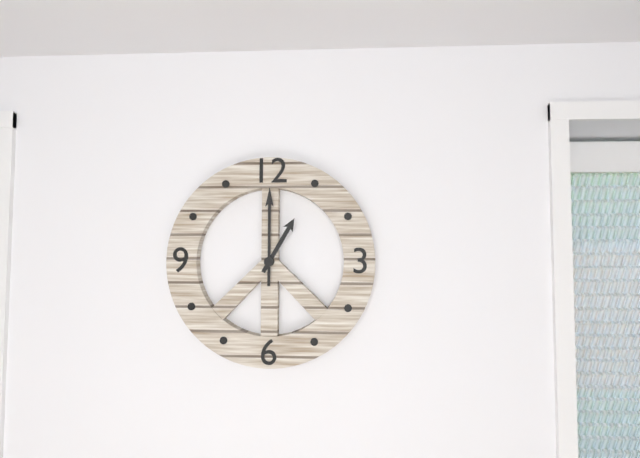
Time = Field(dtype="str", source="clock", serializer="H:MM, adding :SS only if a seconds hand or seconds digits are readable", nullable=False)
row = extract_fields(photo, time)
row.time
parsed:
1:00
